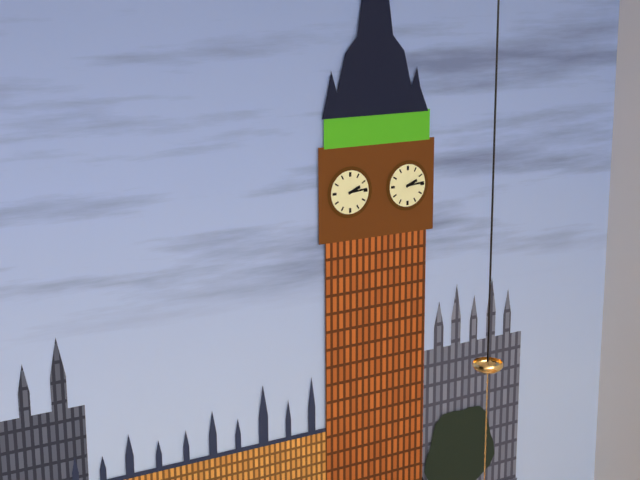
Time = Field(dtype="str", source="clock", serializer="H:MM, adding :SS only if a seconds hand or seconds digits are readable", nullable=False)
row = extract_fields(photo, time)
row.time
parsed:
2:14
